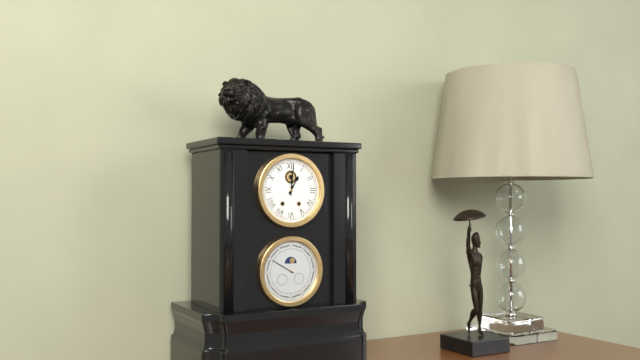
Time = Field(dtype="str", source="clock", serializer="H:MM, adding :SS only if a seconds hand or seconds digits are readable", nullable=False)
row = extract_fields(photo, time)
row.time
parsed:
1:01
